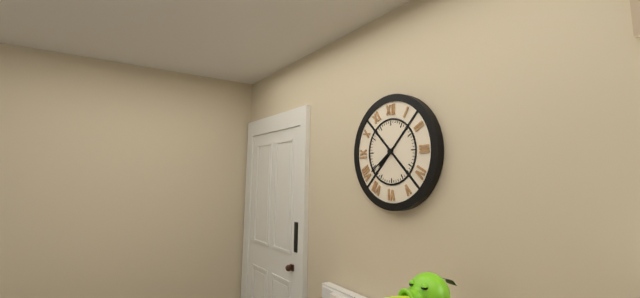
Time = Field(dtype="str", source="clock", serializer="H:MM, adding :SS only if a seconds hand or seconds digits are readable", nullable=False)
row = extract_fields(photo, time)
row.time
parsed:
7:39
